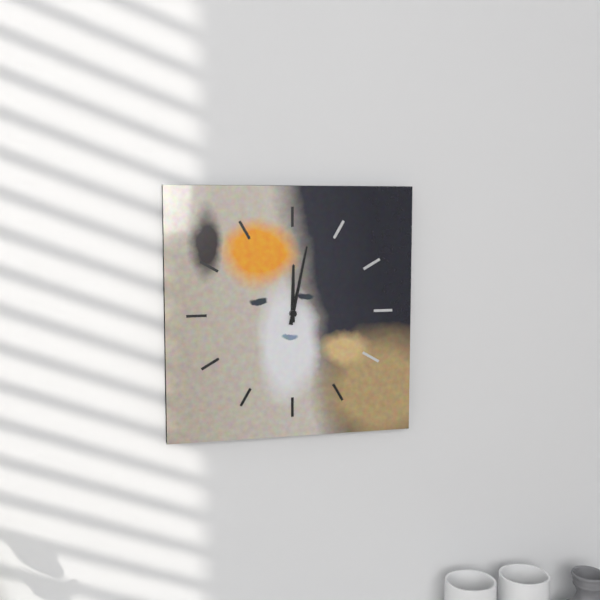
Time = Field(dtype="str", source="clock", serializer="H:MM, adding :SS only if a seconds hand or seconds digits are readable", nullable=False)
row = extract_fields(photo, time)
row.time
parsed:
12:02
